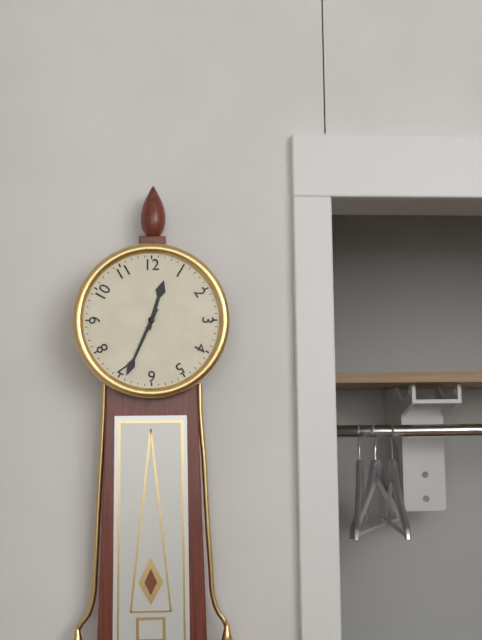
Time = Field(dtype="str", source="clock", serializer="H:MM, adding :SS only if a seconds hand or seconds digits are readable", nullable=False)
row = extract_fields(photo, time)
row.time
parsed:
12:34
